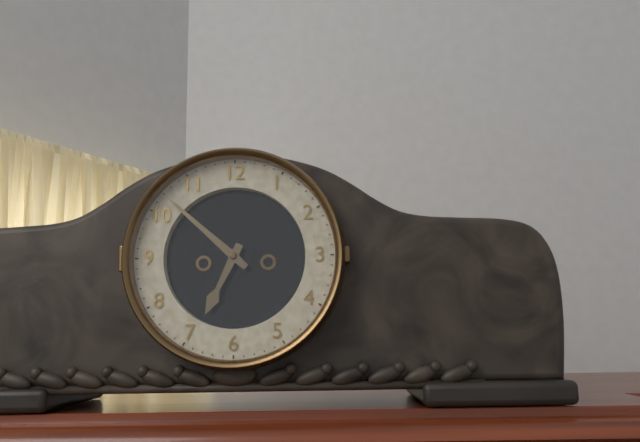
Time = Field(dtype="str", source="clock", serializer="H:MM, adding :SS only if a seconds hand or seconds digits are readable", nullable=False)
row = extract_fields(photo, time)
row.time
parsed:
6:52
